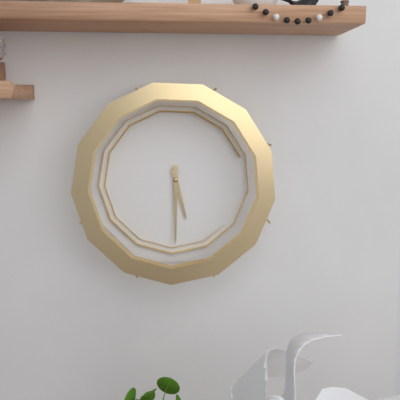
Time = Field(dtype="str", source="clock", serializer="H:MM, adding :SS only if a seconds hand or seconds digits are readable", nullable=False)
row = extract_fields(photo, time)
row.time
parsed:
5:30
